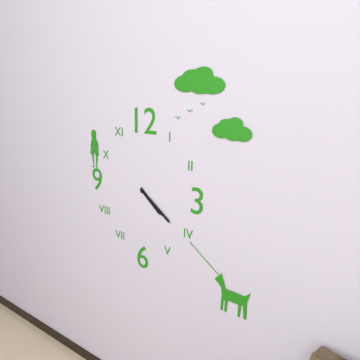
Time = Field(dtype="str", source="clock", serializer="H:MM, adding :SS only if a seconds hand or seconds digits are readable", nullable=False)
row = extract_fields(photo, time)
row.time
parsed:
4:21
